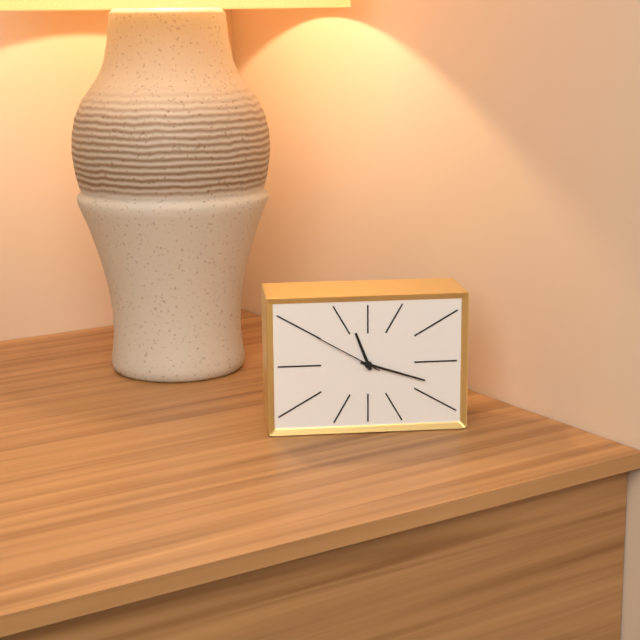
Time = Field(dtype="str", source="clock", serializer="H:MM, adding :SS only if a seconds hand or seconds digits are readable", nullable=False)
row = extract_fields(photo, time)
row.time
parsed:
11:18:50
